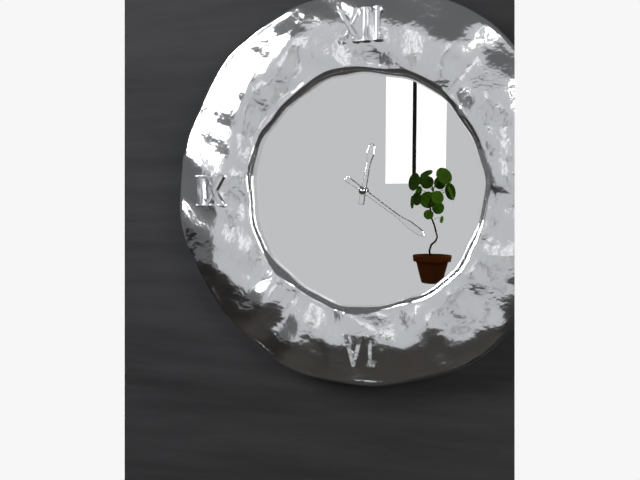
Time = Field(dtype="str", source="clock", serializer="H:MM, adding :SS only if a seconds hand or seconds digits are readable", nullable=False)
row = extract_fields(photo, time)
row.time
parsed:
12:21
